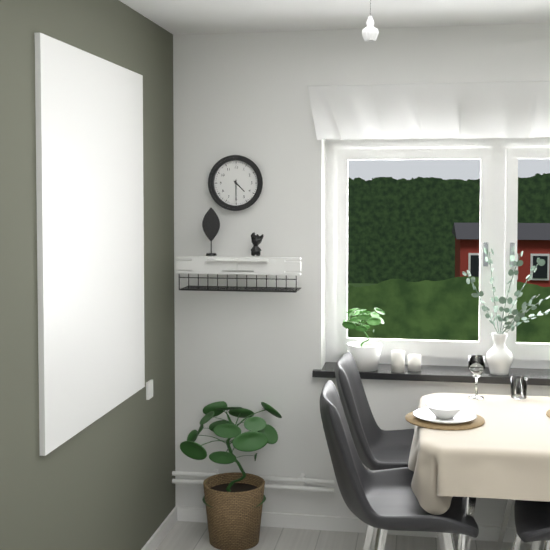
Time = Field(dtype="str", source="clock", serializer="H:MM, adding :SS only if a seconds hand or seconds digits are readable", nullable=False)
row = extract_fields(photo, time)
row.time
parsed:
4:30
